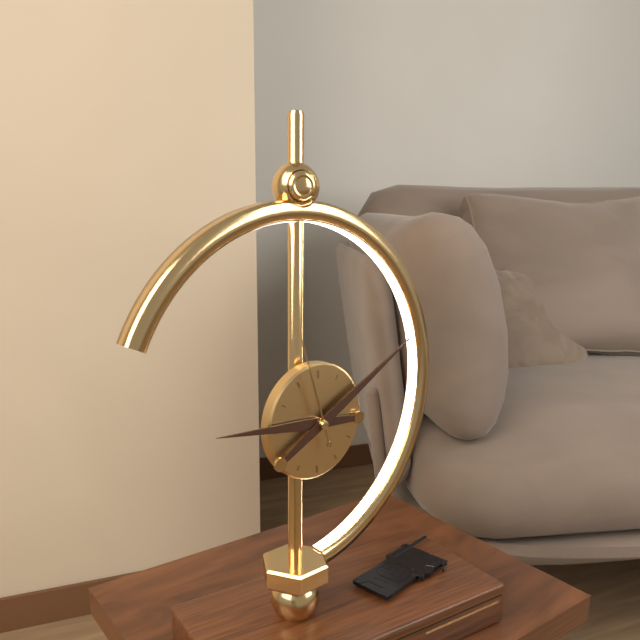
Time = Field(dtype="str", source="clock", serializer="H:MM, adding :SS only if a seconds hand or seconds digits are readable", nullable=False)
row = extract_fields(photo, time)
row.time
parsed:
9:10:57
